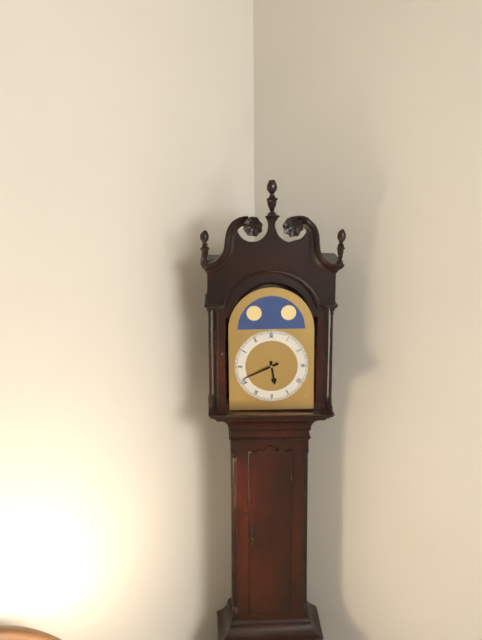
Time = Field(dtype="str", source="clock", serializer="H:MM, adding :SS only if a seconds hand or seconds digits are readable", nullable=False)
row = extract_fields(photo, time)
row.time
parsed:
5:41
